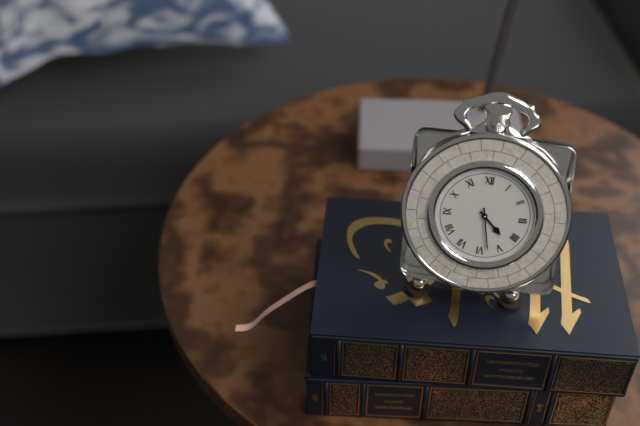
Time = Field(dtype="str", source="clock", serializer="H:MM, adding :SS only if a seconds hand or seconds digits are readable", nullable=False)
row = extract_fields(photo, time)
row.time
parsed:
4:28
